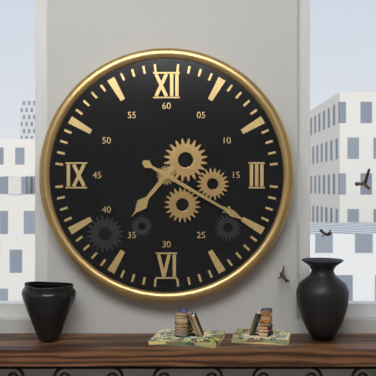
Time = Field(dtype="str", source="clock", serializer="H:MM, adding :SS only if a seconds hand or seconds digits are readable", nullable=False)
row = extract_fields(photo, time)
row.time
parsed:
7:20
